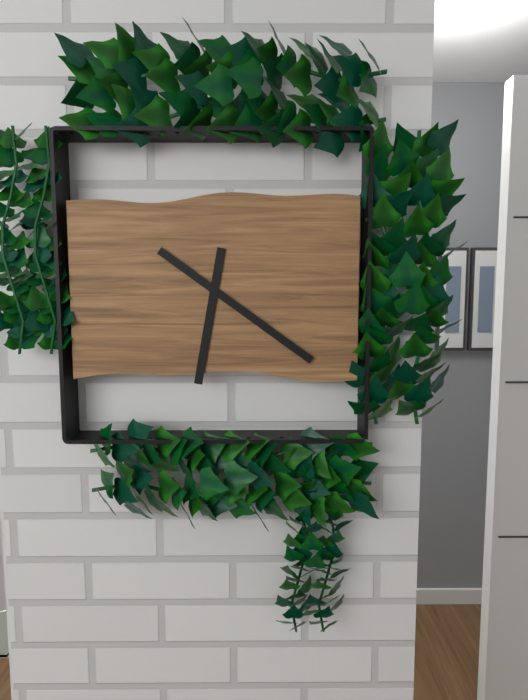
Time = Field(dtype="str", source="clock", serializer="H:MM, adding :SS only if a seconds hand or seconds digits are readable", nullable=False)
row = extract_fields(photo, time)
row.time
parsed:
6:21
